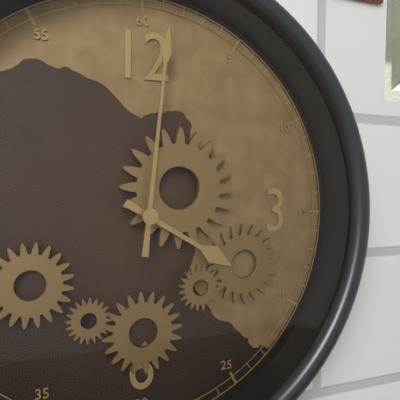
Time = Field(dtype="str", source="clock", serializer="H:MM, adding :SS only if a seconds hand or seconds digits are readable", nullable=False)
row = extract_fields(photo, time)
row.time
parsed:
4:01
